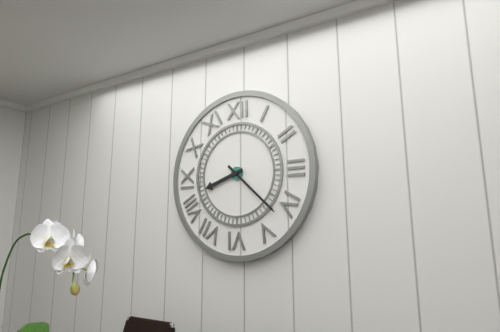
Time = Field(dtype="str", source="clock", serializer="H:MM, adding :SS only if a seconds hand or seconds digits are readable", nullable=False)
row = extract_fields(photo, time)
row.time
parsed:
8:22
